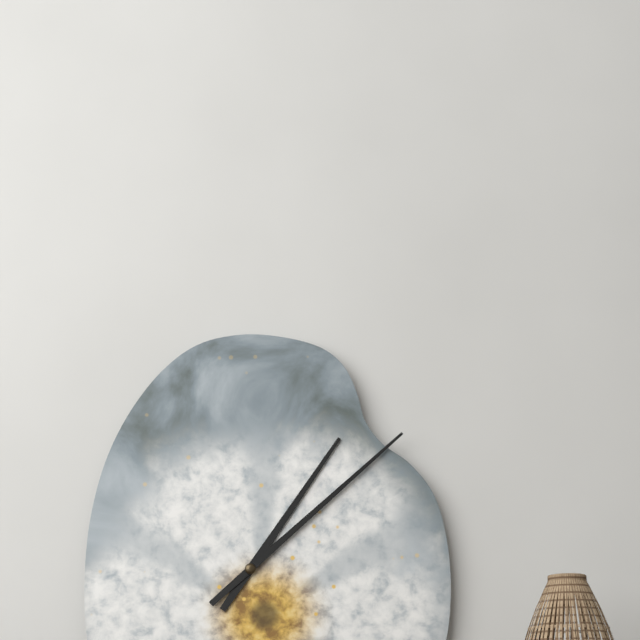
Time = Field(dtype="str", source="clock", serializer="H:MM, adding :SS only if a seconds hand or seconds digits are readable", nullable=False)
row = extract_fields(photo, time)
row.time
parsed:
1:08
